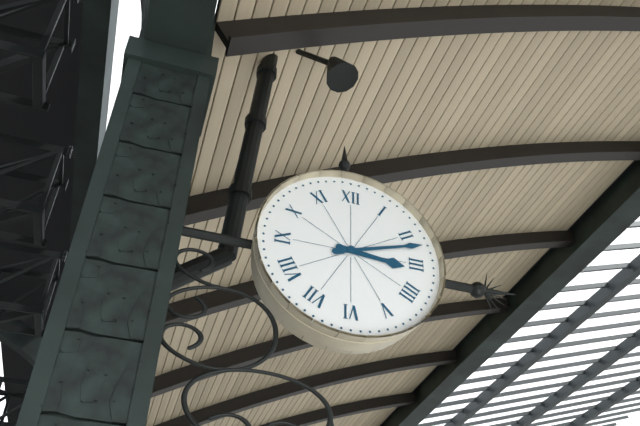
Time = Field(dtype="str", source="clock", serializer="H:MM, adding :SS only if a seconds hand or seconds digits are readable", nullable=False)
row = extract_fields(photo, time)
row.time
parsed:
3:12
